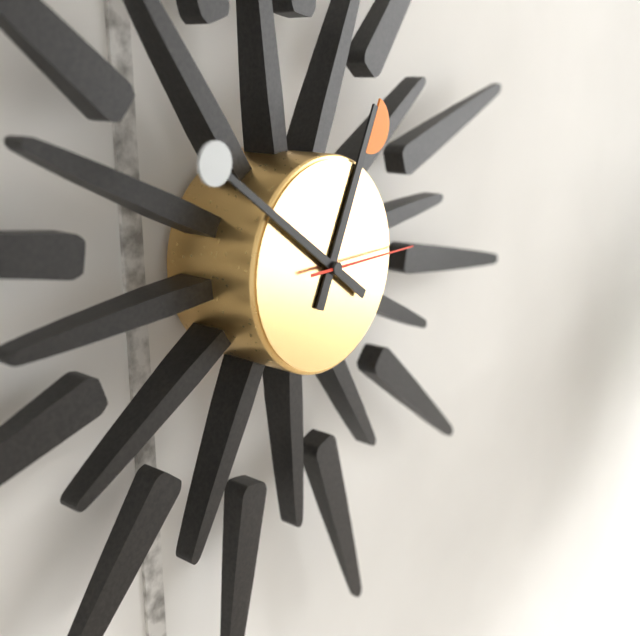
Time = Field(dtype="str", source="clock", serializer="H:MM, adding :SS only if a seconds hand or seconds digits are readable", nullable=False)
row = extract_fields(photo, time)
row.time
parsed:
12:51:15
